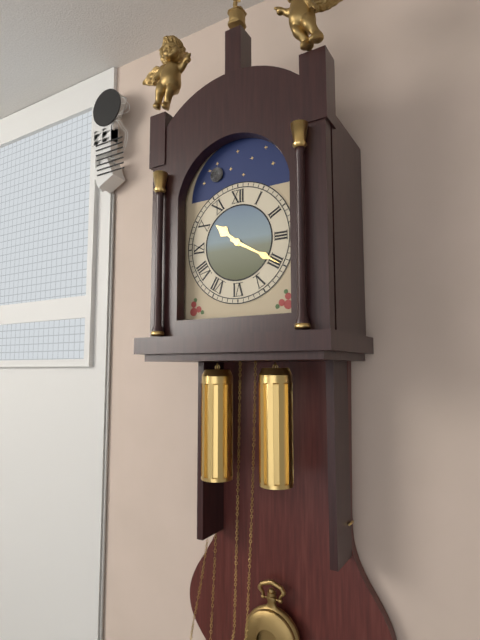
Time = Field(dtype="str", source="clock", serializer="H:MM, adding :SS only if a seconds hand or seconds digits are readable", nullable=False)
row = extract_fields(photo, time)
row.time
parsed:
10:20
